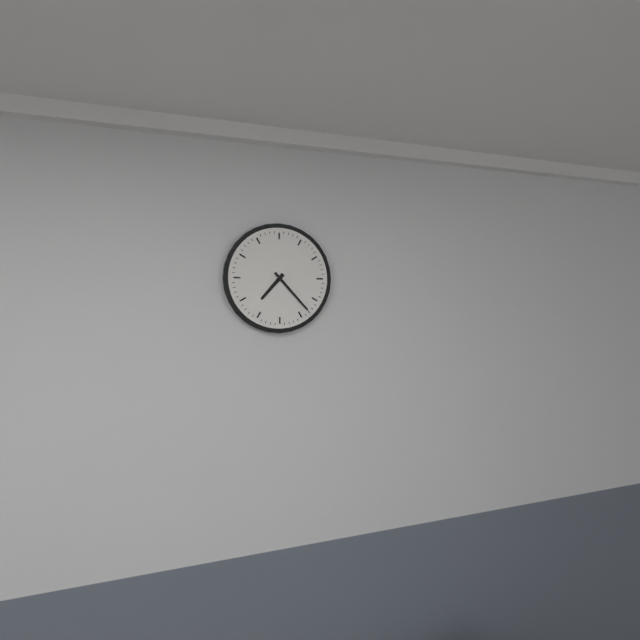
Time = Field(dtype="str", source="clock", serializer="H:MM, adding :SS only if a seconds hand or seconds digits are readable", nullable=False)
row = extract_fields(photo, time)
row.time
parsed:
7:23
